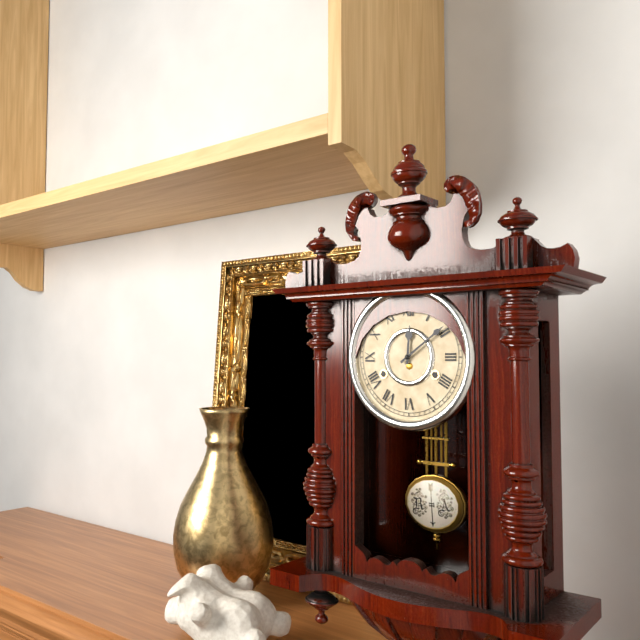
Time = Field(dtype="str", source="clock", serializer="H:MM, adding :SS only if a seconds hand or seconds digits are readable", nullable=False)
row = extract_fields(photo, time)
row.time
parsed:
12:09
